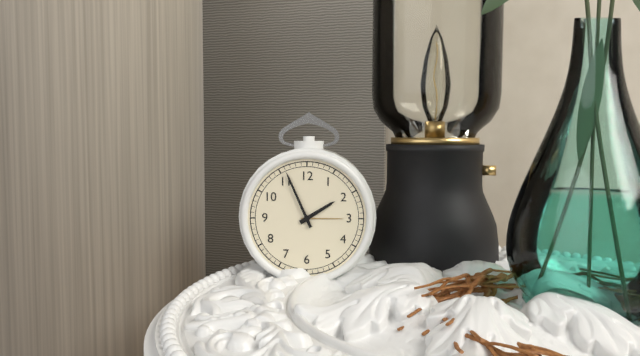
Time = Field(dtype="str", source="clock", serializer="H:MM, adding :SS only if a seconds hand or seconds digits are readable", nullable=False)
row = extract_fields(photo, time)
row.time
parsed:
1:56
